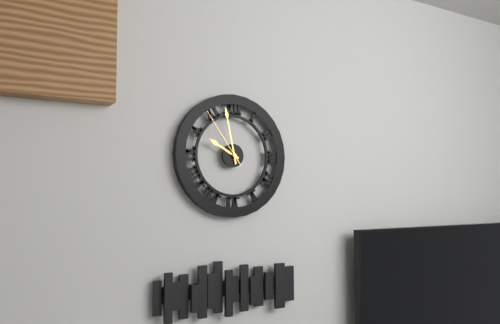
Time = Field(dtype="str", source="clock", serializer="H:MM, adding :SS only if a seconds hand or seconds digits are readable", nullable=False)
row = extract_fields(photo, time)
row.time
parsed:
9:58:54
